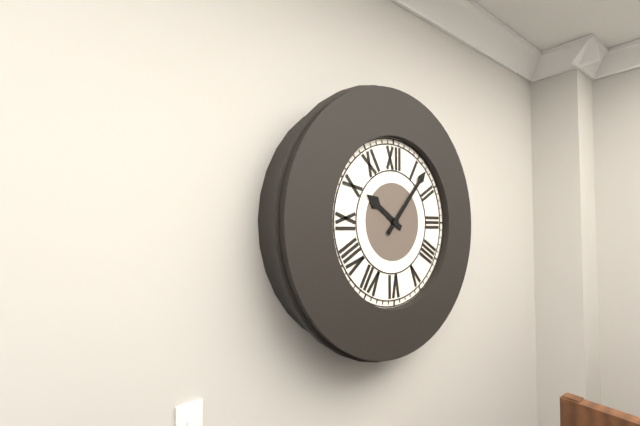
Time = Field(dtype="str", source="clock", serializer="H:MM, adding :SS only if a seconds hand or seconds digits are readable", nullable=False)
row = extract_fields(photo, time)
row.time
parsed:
10:07
